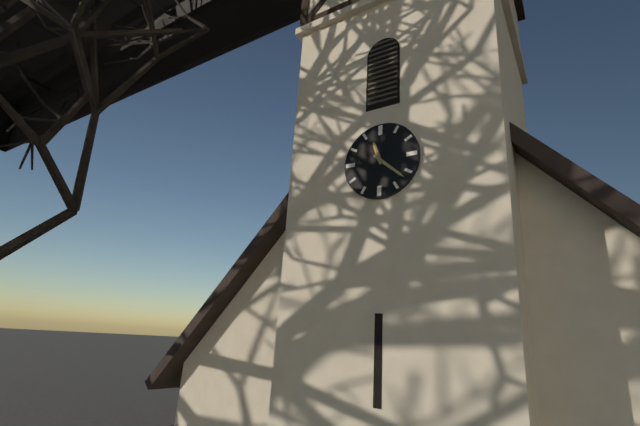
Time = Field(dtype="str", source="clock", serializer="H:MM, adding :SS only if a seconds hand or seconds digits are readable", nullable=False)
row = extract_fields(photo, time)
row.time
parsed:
11:22
